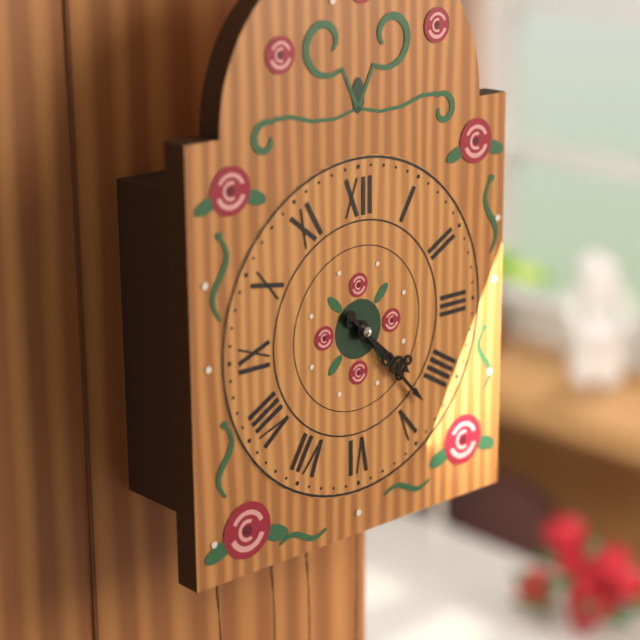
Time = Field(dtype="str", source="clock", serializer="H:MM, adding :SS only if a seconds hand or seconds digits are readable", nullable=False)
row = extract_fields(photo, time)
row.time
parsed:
4:23
